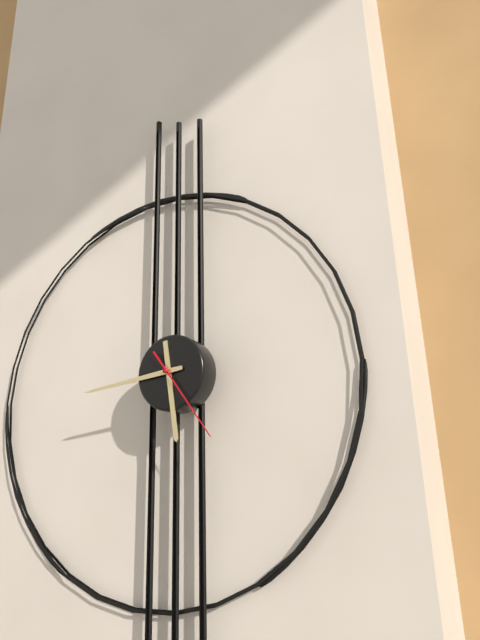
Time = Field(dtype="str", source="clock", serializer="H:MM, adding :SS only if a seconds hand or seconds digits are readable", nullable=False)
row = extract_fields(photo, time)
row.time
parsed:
5:44:24
